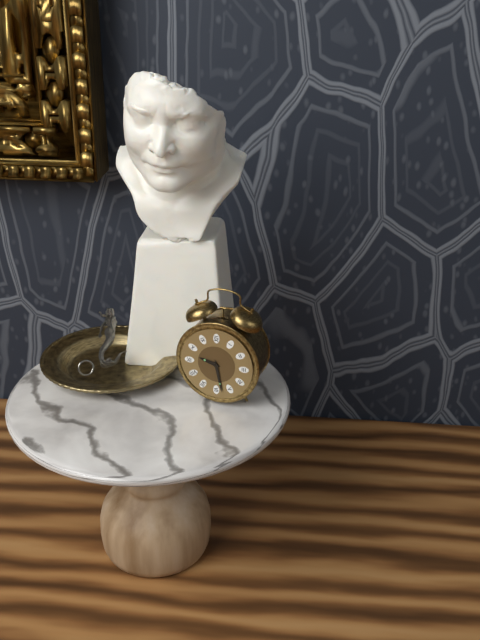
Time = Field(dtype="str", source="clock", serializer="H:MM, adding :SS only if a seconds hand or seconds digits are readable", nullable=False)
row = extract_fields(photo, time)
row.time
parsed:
9:28
